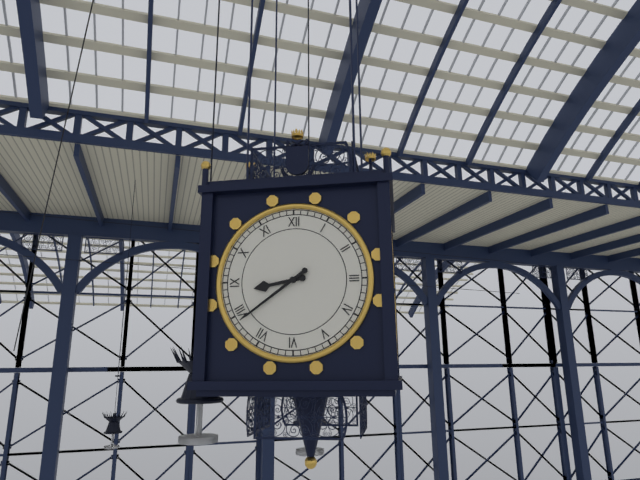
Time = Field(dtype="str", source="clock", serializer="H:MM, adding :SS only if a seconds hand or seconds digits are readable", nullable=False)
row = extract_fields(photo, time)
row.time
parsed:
8:39
